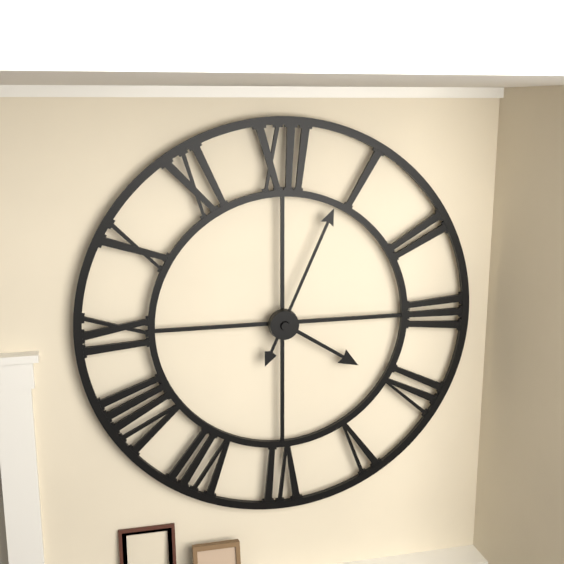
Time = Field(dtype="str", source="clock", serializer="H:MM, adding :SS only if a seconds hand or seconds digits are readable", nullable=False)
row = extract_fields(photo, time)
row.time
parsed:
4:04
